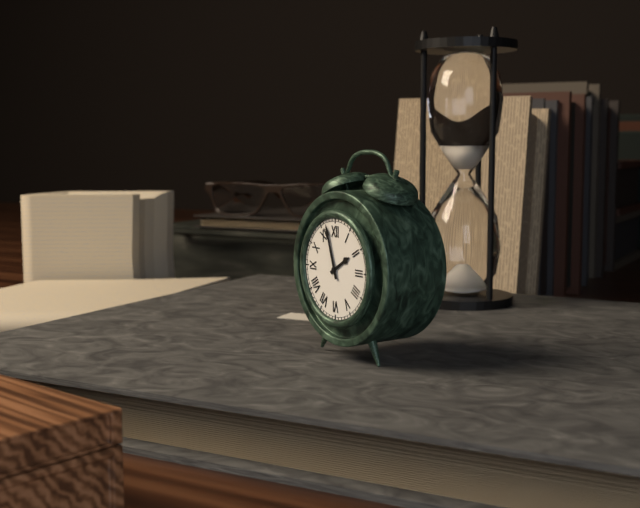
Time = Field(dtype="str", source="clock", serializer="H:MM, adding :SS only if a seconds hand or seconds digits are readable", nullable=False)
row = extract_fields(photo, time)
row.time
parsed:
1:57
